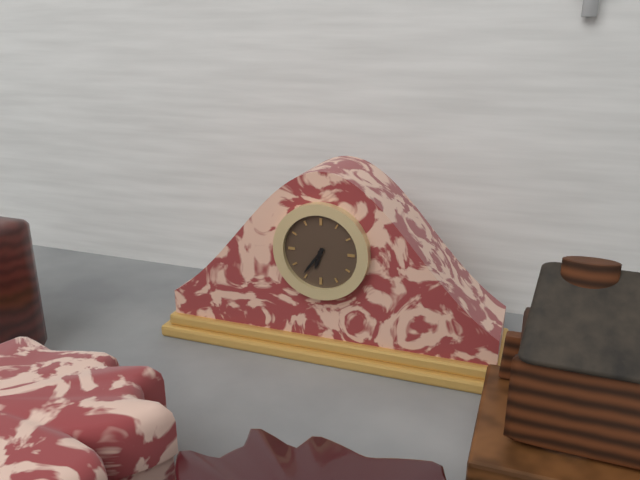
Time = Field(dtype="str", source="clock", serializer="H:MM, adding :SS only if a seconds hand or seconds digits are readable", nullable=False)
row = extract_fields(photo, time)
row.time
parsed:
6:36
